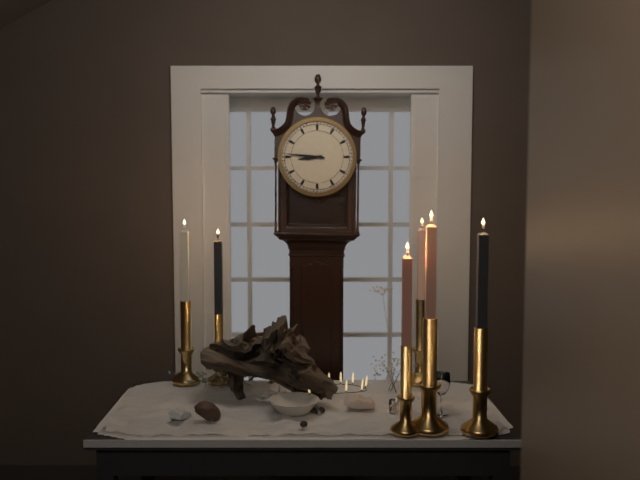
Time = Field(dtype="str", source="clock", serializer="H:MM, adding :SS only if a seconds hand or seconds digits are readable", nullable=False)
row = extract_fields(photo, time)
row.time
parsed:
8:46
